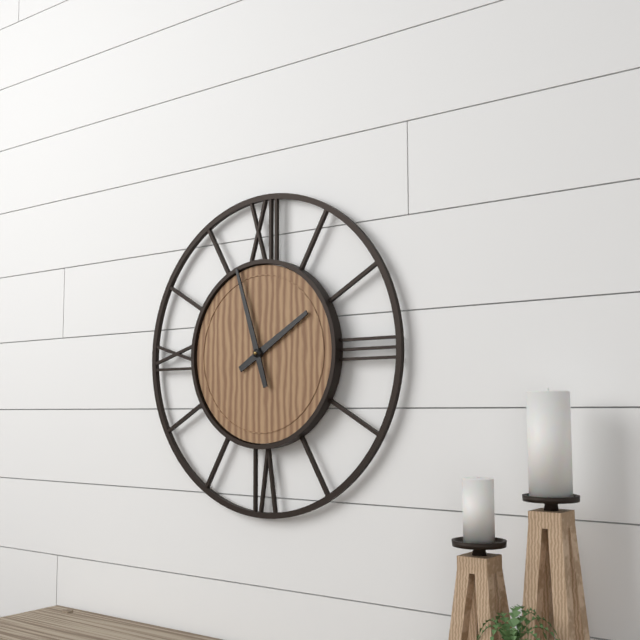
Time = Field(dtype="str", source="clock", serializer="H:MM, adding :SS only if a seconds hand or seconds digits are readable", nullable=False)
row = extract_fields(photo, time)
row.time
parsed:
1:57
